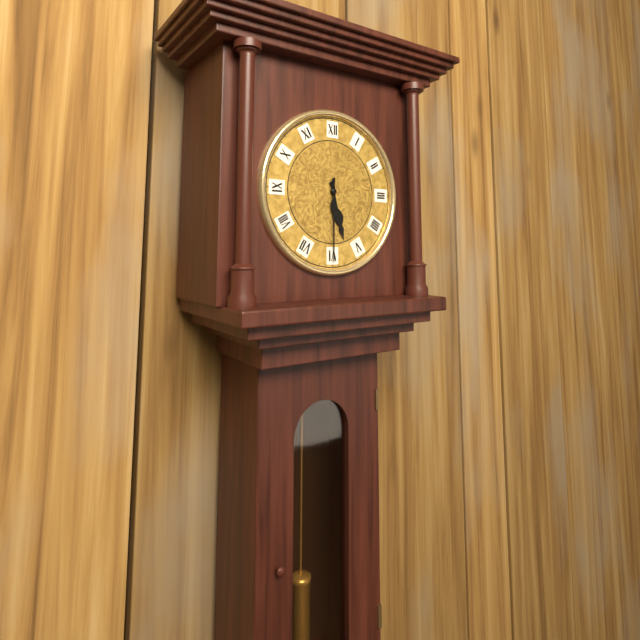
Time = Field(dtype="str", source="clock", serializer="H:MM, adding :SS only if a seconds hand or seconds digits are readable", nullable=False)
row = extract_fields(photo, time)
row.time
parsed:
5:30
